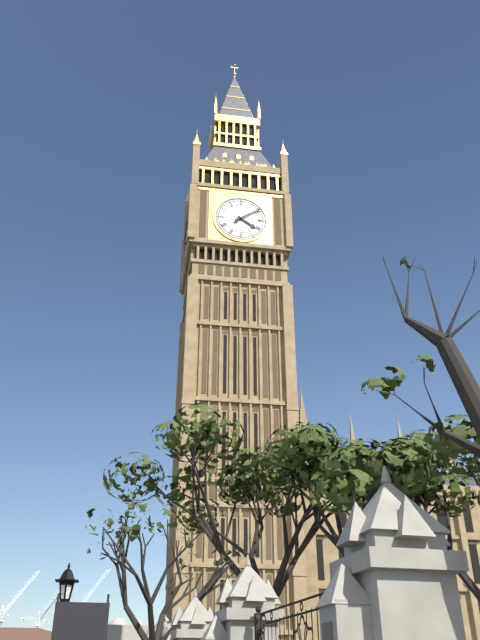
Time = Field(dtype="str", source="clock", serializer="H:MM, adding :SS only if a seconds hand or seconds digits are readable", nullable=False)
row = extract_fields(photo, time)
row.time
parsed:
4:09
